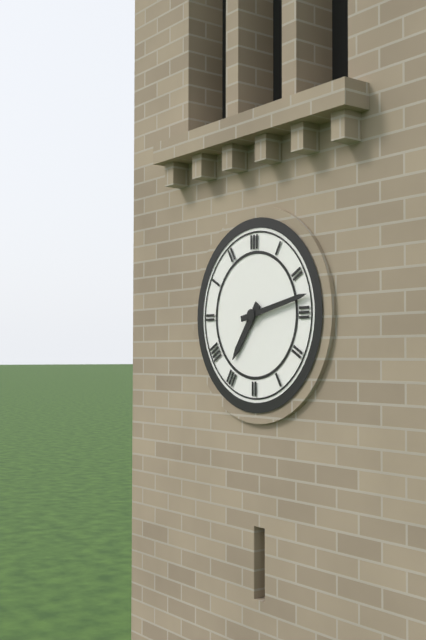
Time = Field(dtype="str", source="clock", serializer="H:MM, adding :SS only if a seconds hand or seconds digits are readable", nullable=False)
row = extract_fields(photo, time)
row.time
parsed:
7:13
